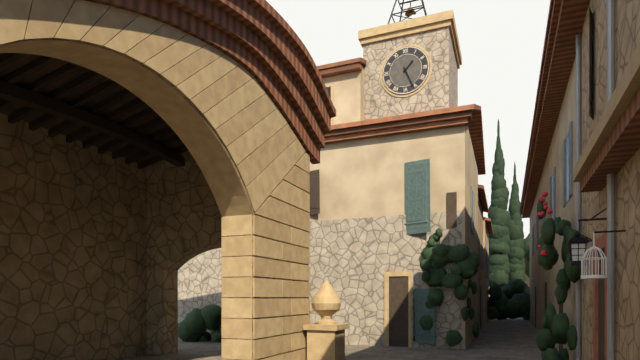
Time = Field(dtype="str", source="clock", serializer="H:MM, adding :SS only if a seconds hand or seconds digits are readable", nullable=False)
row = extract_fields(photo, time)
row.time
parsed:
1:26
